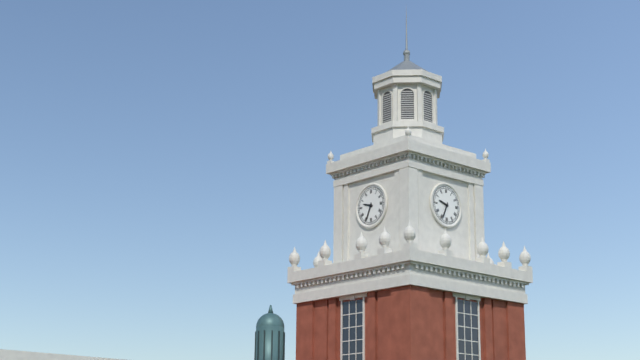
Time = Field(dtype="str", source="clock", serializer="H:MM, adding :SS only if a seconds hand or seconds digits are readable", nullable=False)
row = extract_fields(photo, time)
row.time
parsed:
9:34
